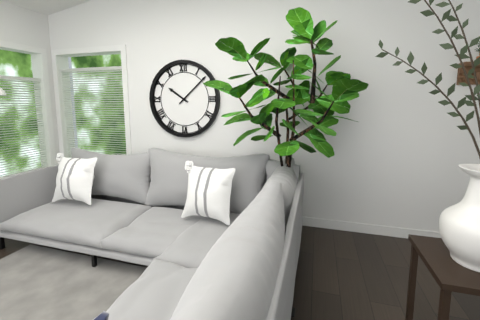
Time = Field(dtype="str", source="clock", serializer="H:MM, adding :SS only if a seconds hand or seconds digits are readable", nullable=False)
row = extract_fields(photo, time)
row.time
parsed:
10:08
